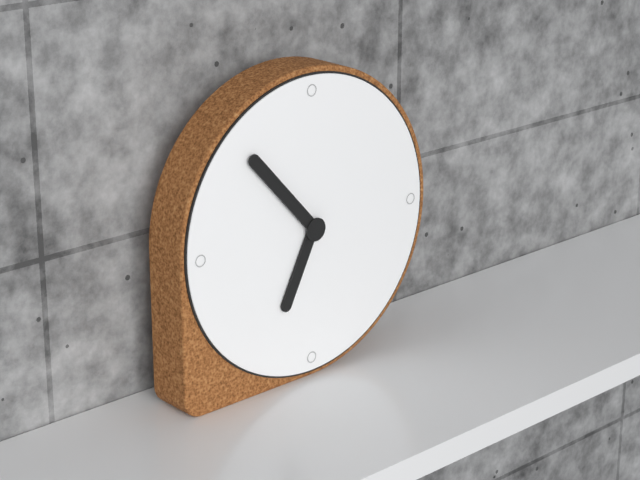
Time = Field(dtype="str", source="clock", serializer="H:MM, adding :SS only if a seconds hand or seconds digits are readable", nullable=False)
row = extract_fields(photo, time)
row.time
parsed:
6:53
